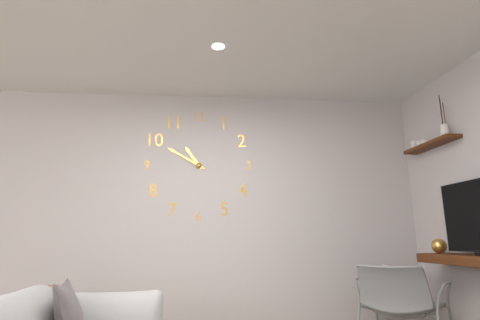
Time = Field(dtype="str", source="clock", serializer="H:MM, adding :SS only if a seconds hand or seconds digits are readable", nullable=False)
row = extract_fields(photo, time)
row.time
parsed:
10:50
